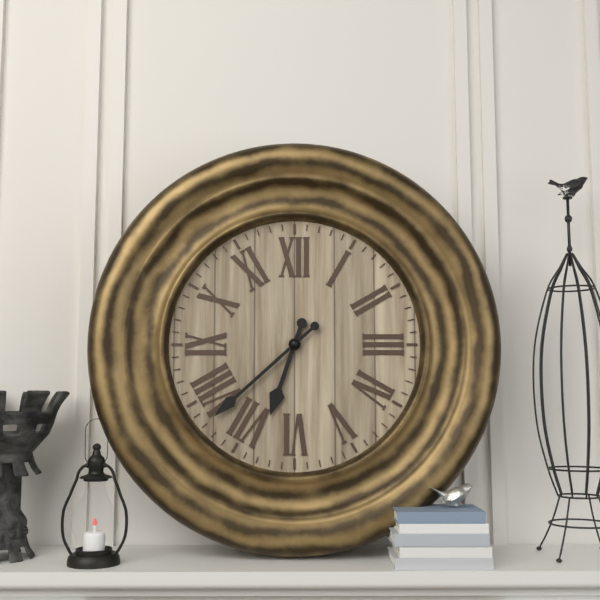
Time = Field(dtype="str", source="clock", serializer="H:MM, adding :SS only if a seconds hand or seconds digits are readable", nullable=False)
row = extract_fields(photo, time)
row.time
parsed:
6:38
